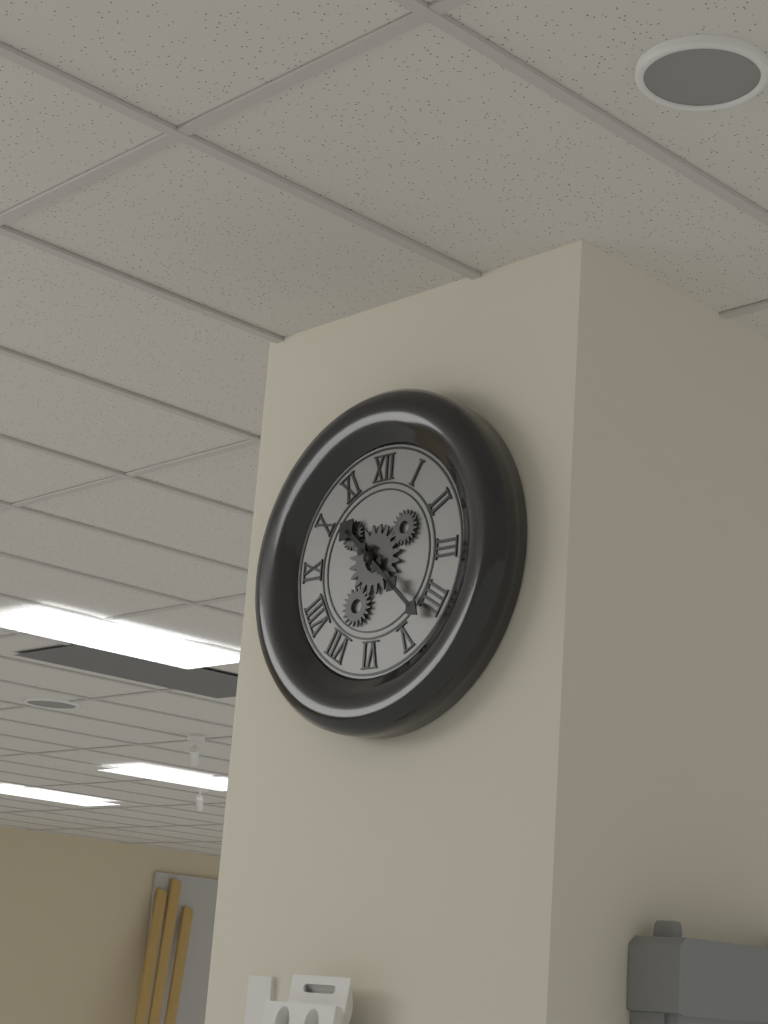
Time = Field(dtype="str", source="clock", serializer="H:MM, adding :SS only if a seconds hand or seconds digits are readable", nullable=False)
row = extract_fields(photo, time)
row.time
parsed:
10:22
